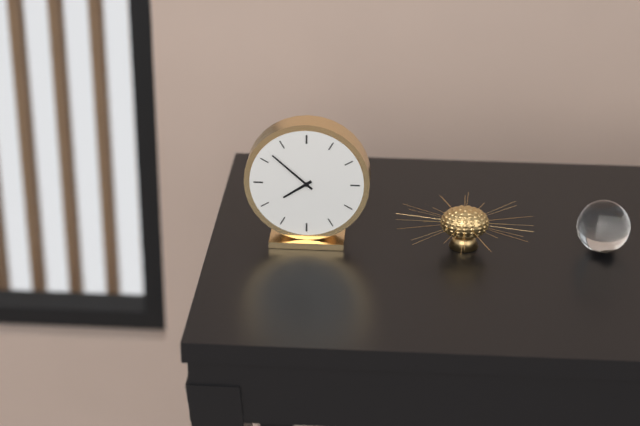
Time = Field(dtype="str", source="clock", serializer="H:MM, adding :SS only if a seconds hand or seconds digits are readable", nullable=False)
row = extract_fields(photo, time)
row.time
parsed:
7:52
